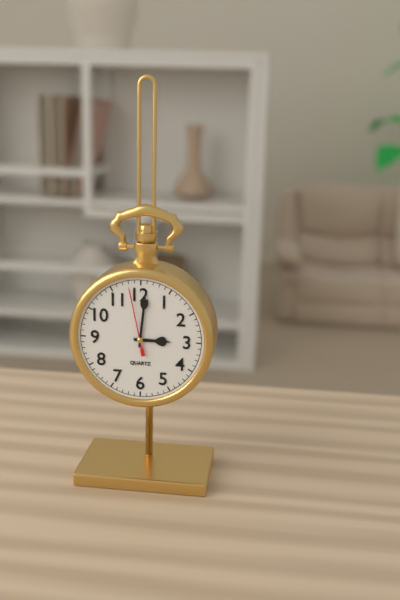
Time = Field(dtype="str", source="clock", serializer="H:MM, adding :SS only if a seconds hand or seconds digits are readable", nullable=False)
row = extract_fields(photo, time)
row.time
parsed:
3:01:58
